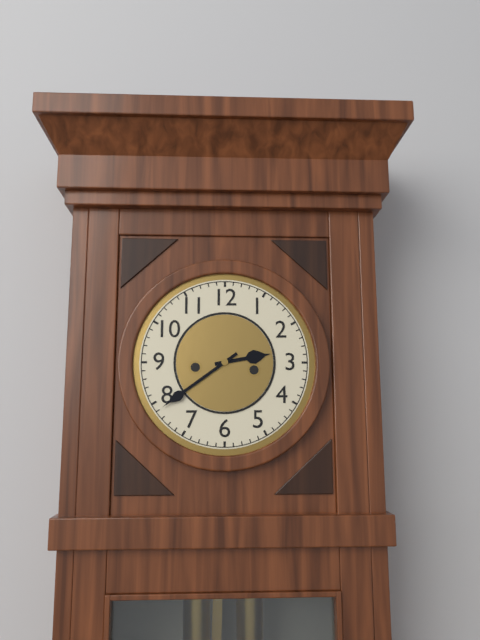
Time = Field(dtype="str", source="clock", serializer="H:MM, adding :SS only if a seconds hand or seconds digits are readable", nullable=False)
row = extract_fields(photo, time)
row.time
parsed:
2:39
